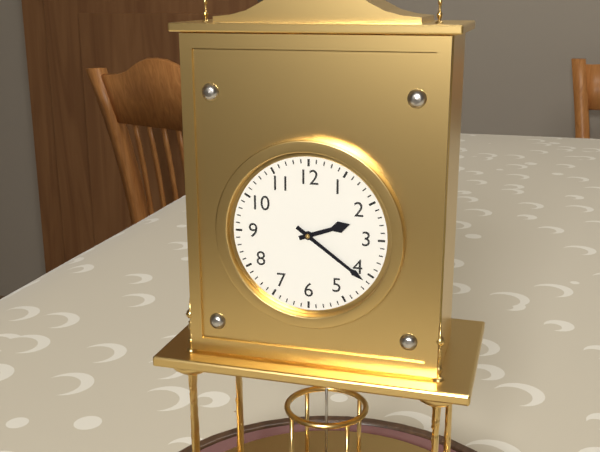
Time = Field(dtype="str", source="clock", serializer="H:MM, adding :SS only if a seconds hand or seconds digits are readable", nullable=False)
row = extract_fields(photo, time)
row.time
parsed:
2:21
